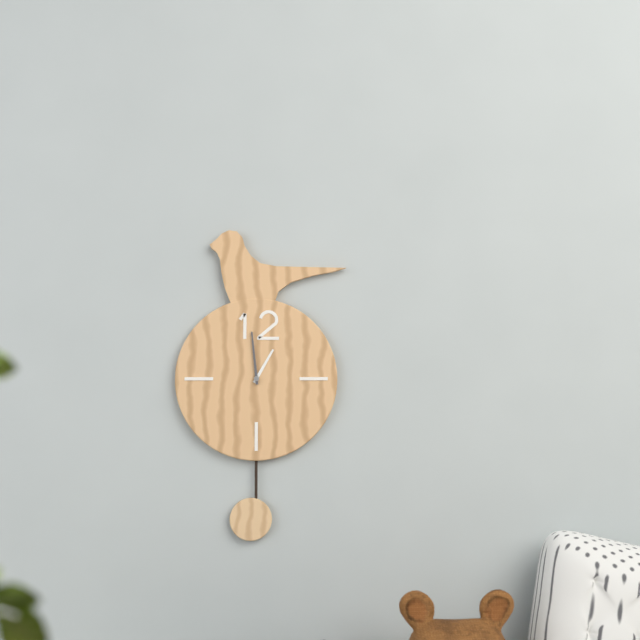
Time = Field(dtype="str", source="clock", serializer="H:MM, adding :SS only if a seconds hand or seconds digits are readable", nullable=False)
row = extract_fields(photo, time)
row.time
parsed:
12:59
